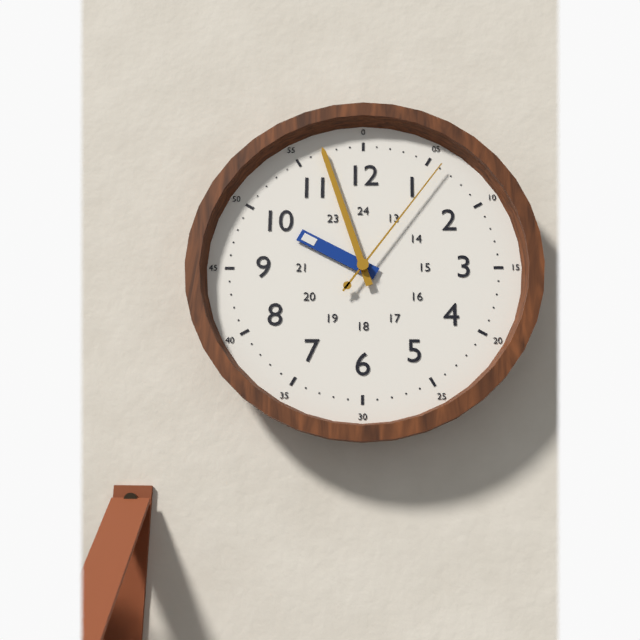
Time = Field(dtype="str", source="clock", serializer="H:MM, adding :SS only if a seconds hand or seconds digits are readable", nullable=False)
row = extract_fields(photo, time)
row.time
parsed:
9:57:06
